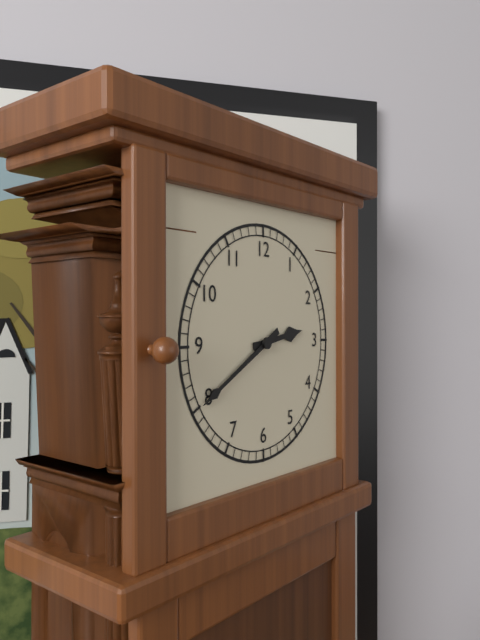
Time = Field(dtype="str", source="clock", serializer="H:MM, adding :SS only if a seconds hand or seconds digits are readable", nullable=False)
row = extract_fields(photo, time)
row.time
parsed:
2:40
